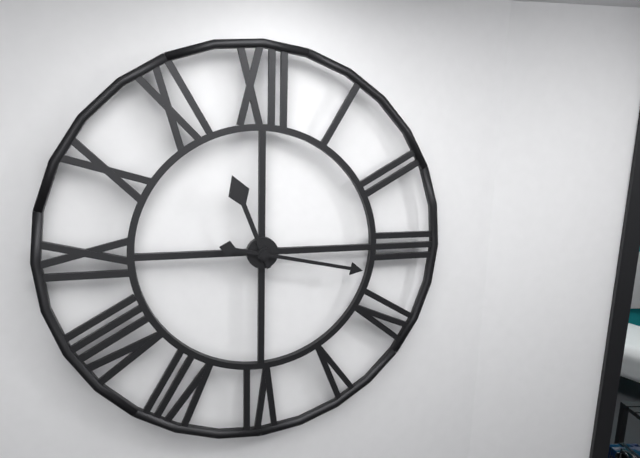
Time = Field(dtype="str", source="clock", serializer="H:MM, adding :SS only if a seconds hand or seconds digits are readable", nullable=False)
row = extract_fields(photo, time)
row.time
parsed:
11:17
